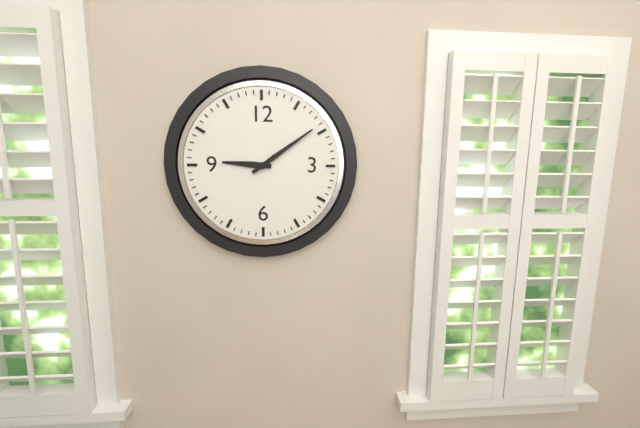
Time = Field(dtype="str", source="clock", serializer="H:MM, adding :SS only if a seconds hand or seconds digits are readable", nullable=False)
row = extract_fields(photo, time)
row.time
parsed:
9:09
